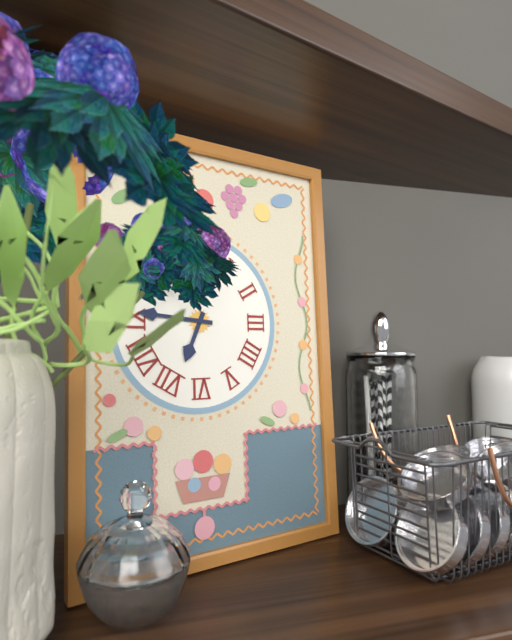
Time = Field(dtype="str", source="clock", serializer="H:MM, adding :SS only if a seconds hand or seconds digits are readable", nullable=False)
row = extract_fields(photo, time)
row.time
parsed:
6:46
